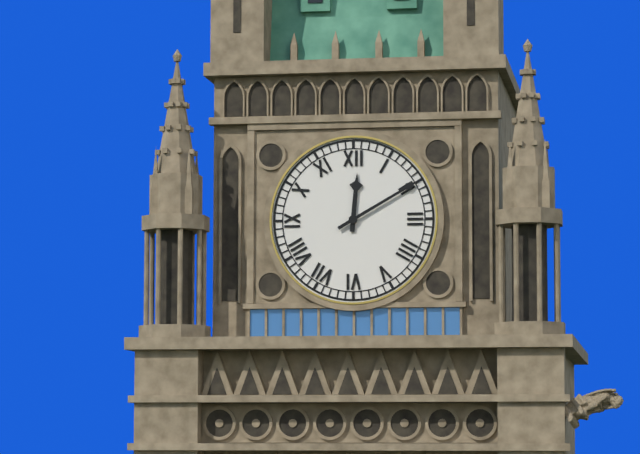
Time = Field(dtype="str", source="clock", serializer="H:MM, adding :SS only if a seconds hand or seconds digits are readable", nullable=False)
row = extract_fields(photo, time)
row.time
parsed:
12:10
